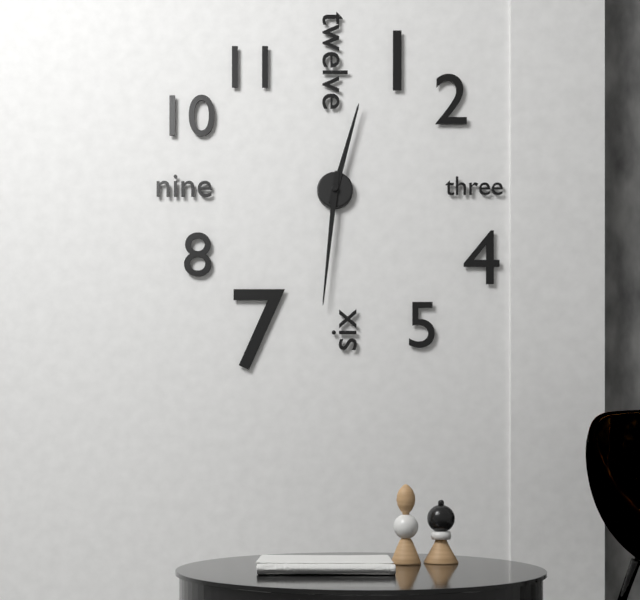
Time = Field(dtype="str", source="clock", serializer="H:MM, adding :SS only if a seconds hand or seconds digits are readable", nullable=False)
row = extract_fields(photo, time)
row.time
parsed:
12:31
